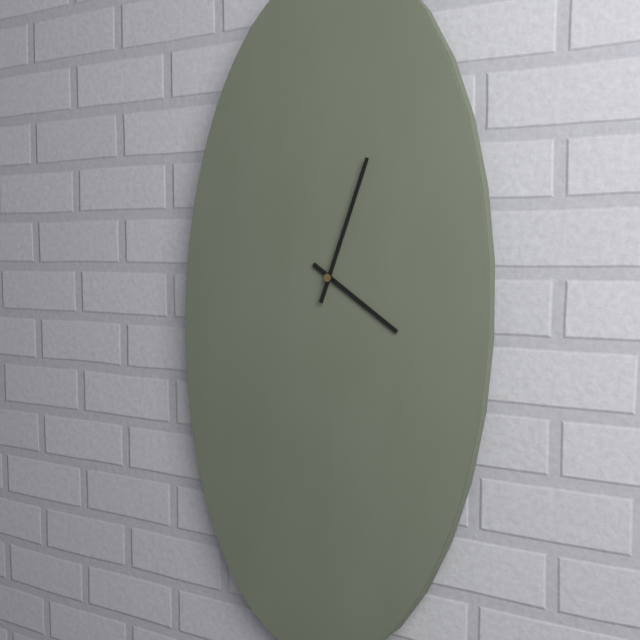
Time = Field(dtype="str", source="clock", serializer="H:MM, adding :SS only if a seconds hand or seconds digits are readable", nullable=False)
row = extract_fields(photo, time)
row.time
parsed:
4:03
